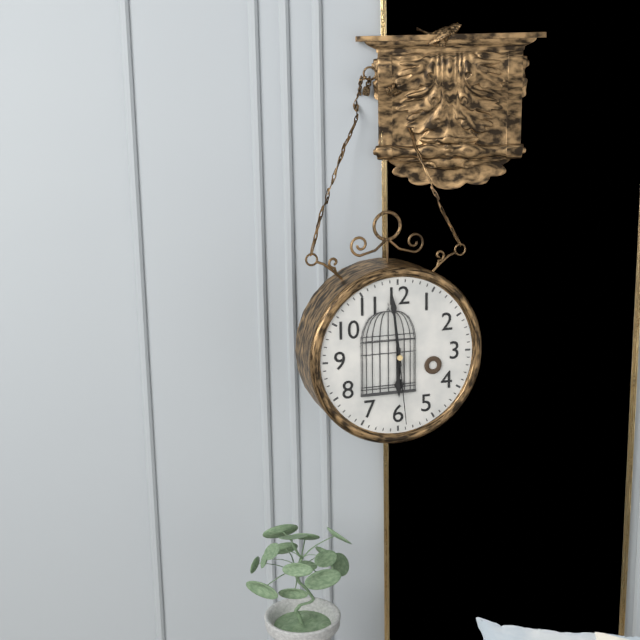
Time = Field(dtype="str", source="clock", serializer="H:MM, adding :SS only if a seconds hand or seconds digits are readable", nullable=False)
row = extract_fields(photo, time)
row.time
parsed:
5:59:29
